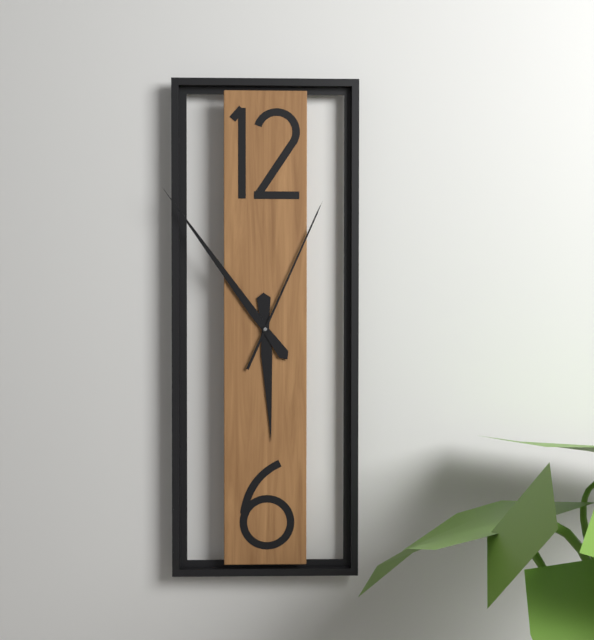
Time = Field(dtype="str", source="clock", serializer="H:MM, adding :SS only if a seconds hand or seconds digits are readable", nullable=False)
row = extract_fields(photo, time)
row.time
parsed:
5:54:04
